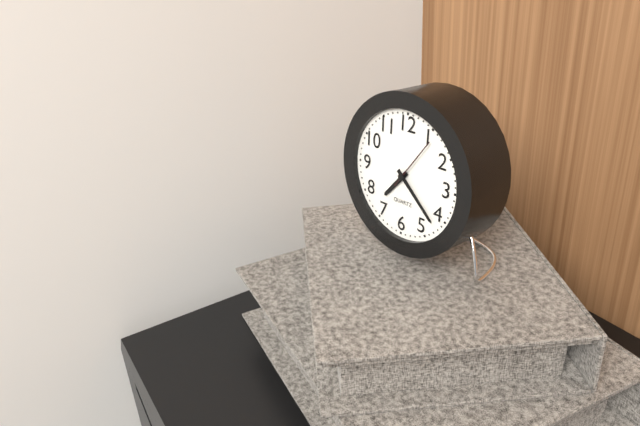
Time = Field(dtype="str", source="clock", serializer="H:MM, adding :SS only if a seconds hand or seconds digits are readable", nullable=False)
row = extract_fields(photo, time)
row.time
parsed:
7:22:06
